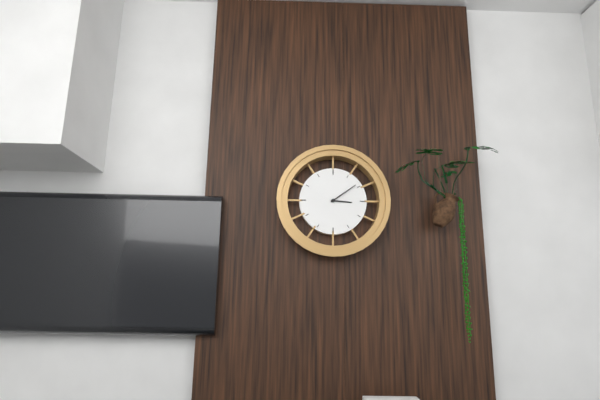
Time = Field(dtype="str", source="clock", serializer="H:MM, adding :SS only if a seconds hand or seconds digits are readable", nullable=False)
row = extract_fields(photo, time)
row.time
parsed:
3:09
